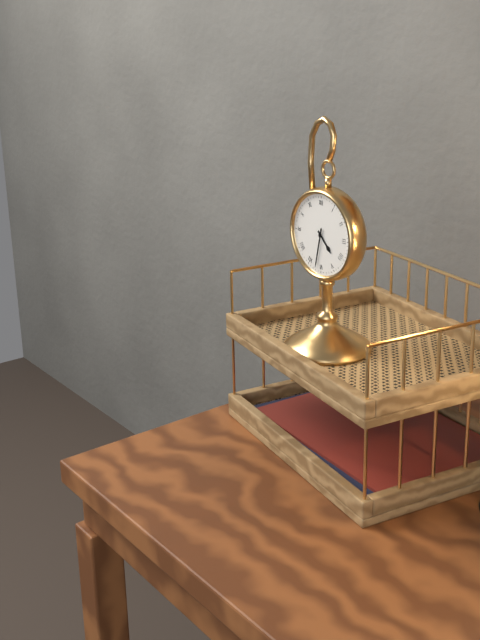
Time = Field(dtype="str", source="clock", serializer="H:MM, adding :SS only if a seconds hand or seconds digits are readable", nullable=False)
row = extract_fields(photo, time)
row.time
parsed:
4:32
